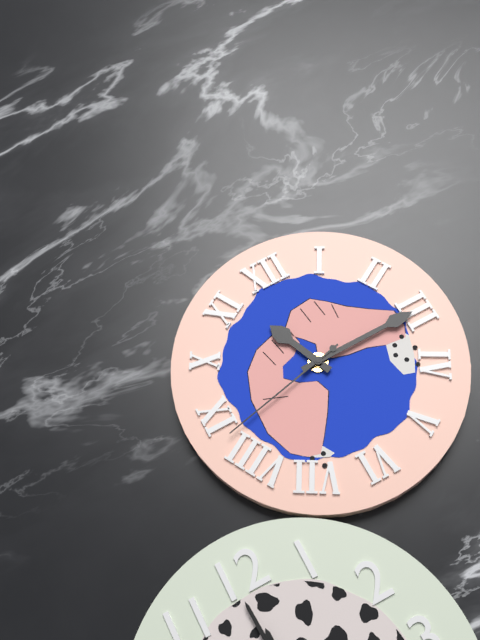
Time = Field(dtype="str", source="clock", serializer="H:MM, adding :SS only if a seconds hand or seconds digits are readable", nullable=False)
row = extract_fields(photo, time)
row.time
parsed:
11:15:43
